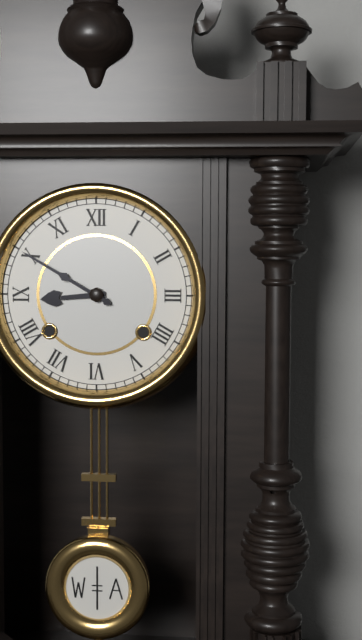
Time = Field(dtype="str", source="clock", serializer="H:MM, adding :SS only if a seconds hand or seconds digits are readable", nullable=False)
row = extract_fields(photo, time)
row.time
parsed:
8:50
